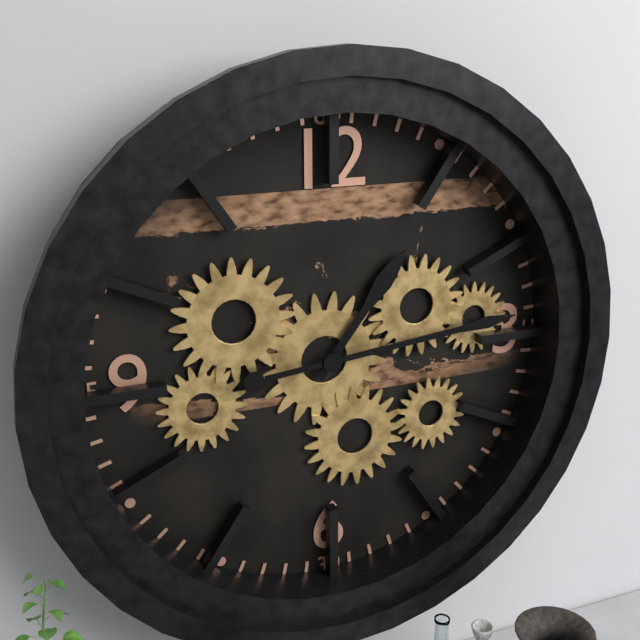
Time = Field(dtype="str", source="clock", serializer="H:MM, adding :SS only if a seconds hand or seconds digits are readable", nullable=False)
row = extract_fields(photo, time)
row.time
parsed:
1:14
